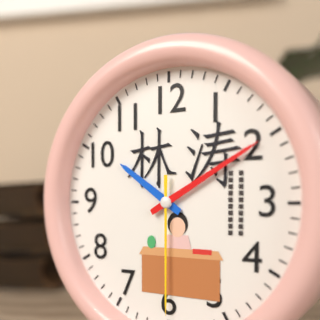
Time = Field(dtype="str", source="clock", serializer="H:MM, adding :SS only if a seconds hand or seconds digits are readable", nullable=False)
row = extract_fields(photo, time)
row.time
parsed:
10:10:30
